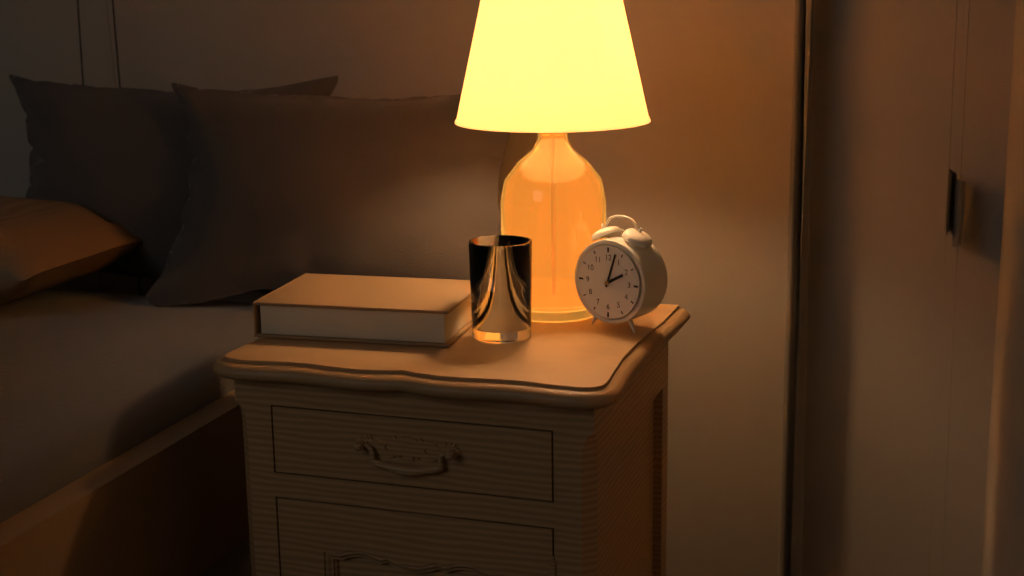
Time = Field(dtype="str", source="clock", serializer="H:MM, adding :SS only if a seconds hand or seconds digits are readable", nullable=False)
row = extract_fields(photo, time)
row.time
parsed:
2:03
